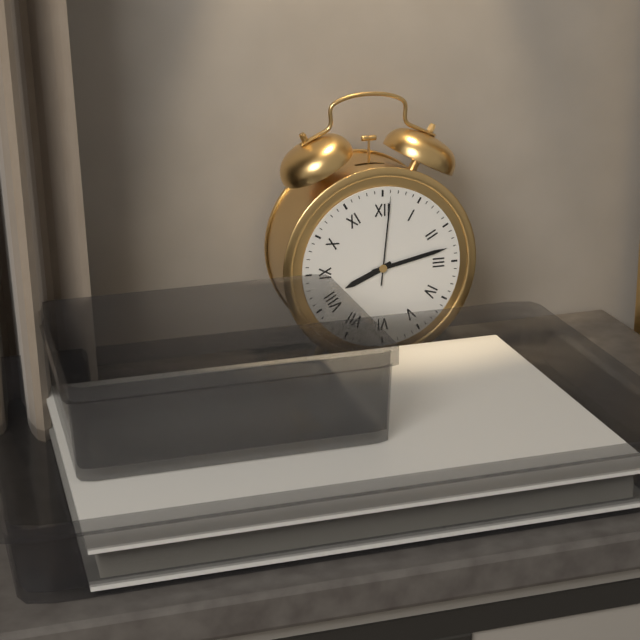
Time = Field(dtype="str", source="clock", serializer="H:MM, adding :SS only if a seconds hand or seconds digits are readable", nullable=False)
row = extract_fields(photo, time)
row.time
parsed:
8:13:01
